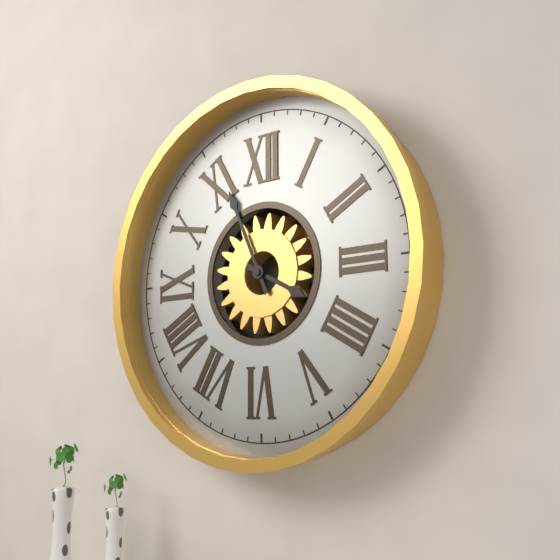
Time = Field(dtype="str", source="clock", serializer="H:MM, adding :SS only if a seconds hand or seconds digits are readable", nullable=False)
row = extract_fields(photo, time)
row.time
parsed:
3:56
